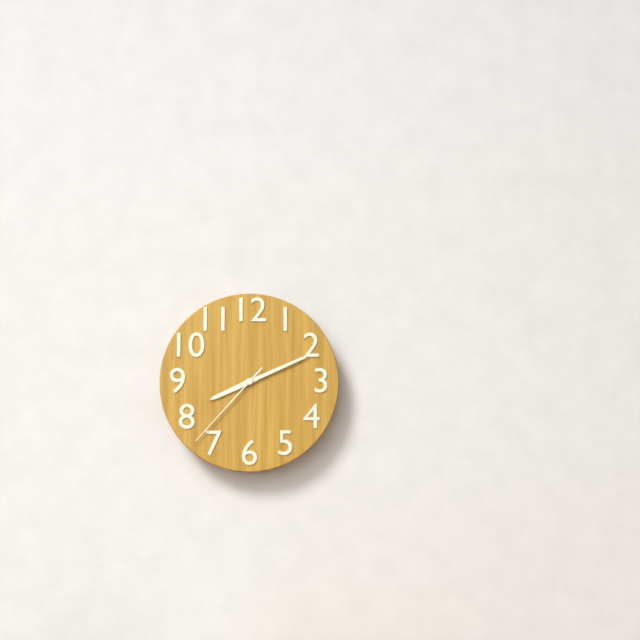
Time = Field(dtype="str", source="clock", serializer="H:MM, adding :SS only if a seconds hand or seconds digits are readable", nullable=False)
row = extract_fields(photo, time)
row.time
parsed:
8:11:37
